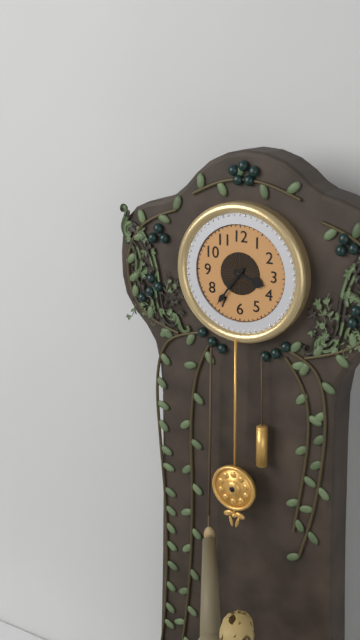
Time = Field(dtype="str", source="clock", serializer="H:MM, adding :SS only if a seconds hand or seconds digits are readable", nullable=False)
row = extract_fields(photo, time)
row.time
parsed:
3:36
